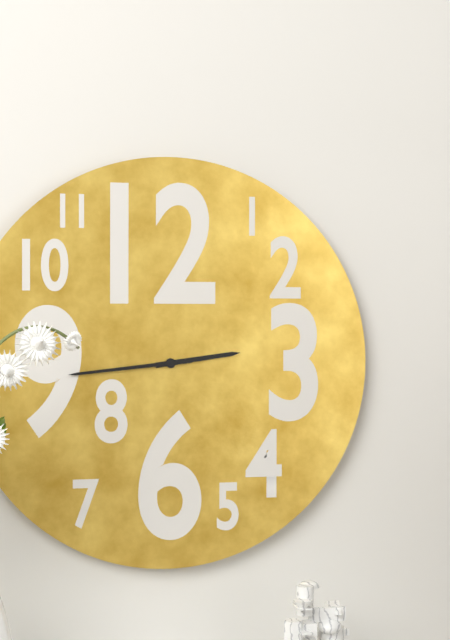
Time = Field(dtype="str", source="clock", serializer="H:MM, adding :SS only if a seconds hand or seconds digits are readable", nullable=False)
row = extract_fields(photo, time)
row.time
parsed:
2:44
